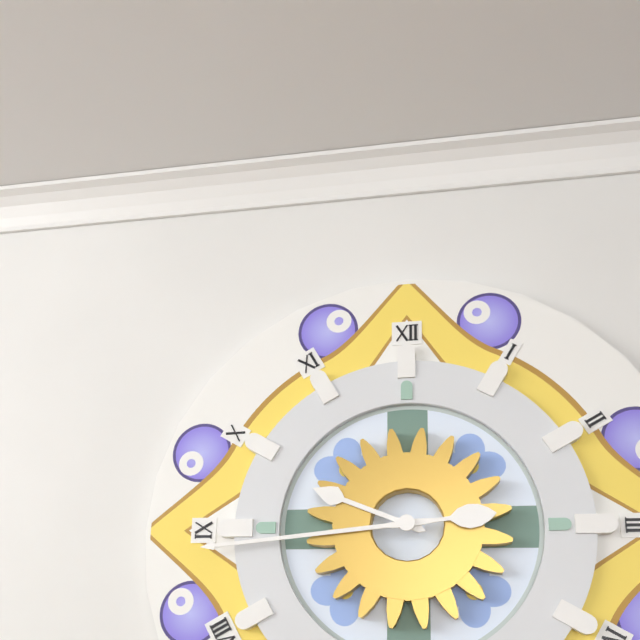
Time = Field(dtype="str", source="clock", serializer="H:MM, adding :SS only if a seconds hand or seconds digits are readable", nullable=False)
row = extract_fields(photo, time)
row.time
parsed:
9:44
